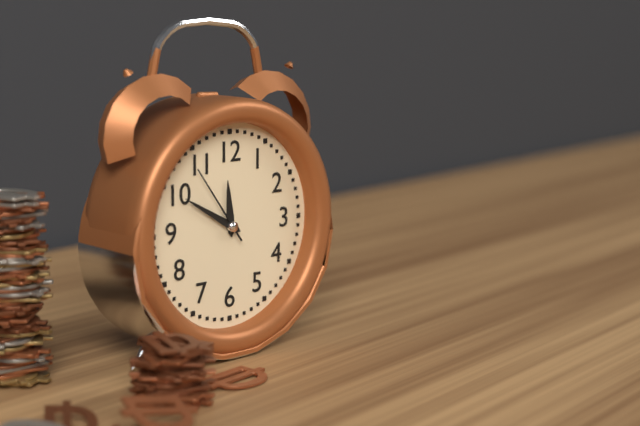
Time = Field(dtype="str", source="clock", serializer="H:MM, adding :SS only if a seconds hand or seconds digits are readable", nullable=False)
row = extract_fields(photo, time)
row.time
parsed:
11:50:54
